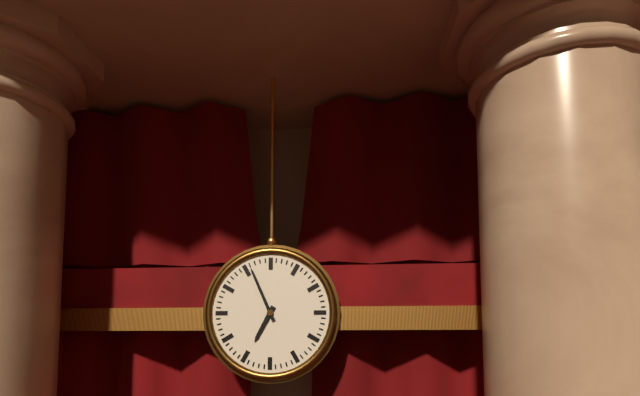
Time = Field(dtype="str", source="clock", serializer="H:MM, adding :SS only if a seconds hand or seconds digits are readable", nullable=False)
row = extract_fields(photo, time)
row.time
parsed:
6:56
